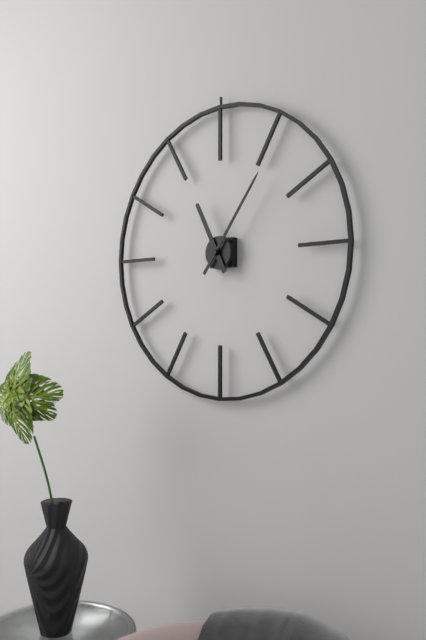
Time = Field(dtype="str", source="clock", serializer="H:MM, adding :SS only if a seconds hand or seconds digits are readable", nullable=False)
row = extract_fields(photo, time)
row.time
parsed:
11:06
